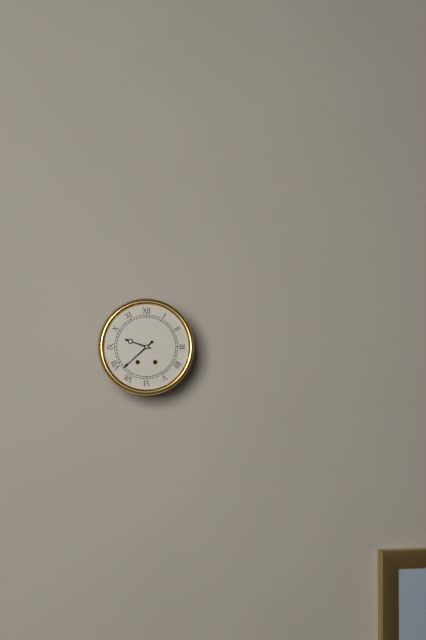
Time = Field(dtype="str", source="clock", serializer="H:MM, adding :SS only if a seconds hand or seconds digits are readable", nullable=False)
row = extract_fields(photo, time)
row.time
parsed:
9:38
